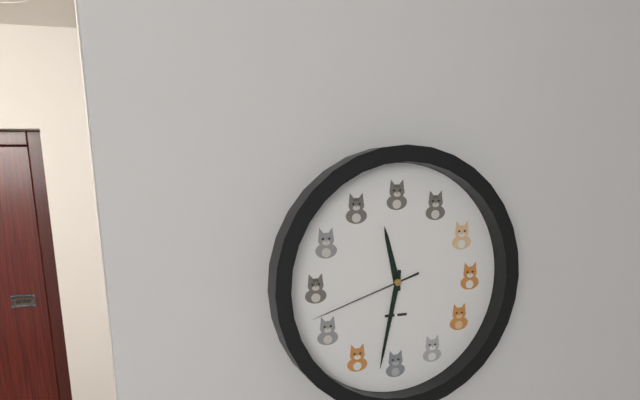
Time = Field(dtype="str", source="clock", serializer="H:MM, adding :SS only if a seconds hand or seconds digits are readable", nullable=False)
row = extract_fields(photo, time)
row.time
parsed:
11:32:42
